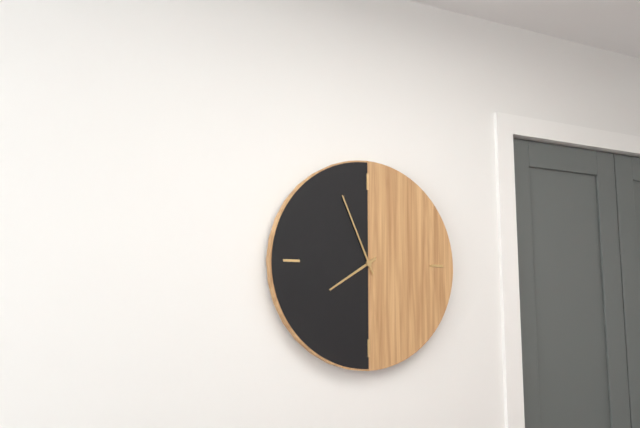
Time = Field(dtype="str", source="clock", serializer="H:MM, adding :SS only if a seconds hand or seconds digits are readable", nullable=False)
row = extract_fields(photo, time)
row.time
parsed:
7:56
